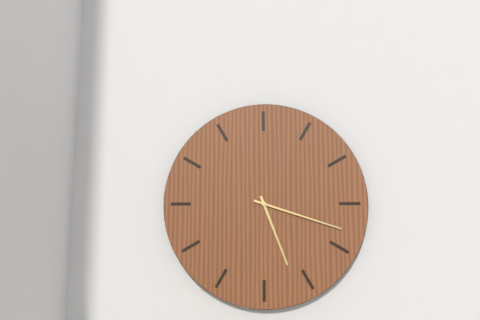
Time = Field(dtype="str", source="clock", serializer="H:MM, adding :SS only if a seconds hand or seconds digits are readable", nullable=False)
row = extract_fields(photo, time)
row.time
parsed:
5:18
